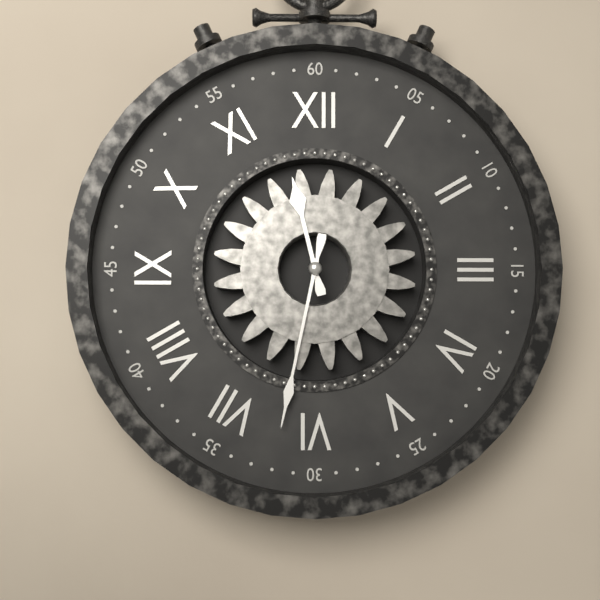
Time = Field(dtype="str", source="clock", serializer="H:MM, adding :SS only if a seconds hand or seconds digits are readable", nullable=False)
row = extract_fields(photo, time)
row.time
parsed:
11:32
